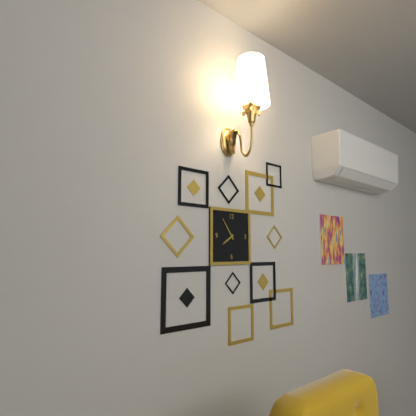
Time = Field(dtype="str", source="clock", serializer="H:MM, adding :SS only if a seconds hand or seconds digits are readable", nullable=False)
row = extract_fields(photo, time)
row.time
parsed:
7:54
